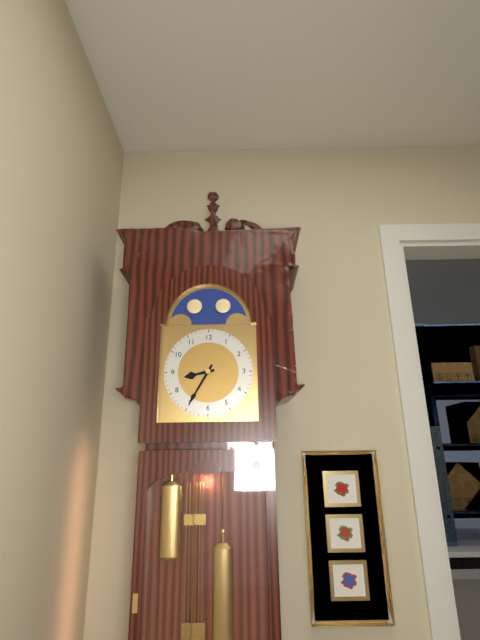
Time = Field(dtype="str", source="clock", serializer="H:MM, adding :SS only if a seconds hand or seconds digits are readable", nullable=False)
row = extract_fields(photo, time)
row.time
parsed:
8:35
